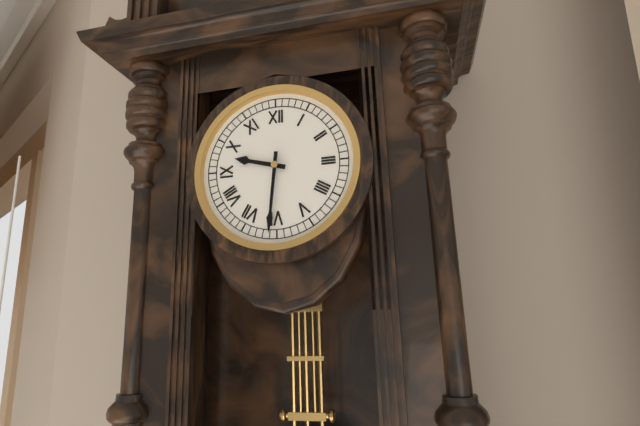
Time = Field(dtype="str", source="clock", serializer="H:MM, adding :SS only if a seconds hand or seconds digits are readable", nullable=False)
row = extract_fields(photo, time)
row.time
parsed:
9:31
